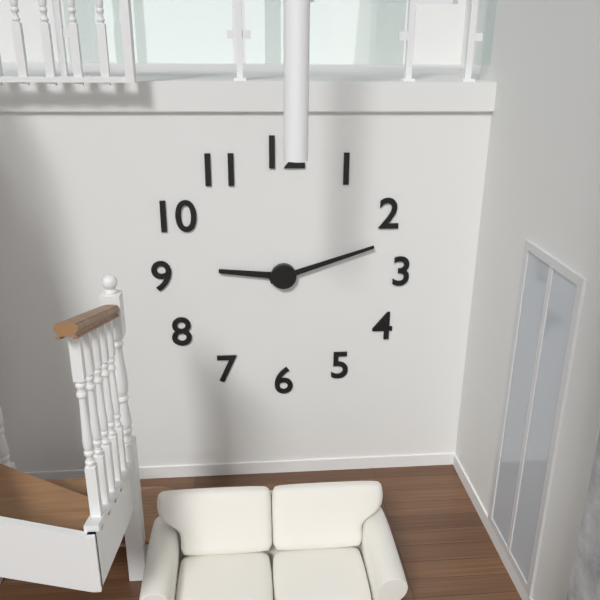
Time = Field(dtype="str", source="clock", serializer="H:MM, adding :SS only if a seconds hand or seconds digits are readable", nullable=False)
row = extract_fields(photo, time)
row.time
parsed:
9:12
